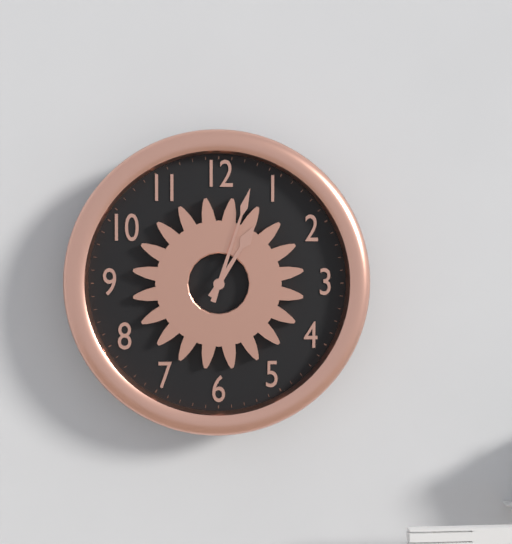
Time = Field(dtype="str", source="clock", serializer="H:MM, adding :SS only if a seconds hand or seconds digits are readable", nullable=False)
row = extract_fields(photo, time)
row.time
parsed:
1:03
